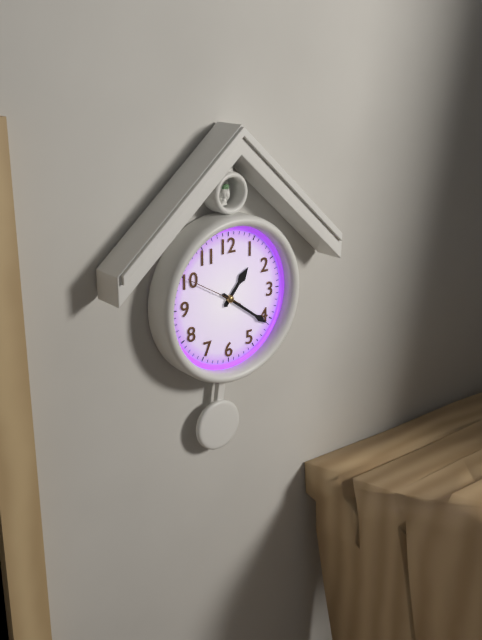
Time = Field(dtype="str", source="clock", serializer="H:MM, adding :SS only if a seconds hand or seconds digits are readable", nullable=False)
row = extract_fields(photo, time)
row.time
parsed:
1:21:50
